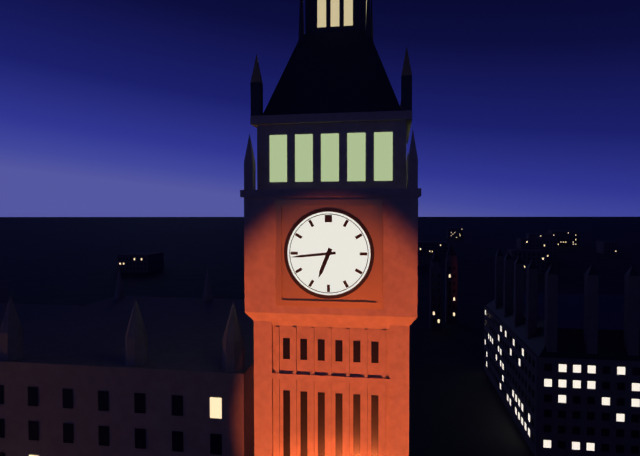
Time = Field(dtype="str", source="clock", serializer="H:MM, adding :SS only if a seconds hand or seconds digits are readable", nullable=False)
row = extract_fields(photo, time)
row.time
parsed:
6:44
